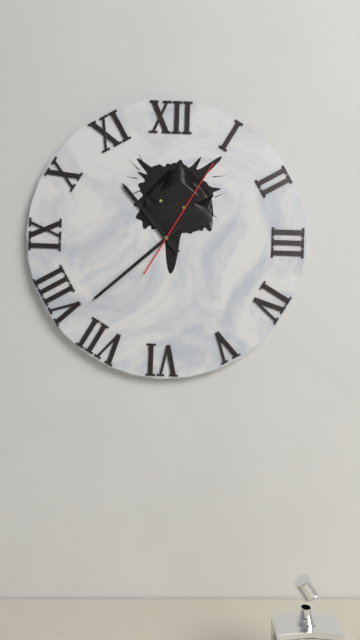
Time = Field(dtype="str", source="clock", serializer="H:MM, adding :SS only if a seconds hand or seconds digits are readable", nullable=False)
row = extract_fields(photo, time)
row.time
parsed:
10:38:05
